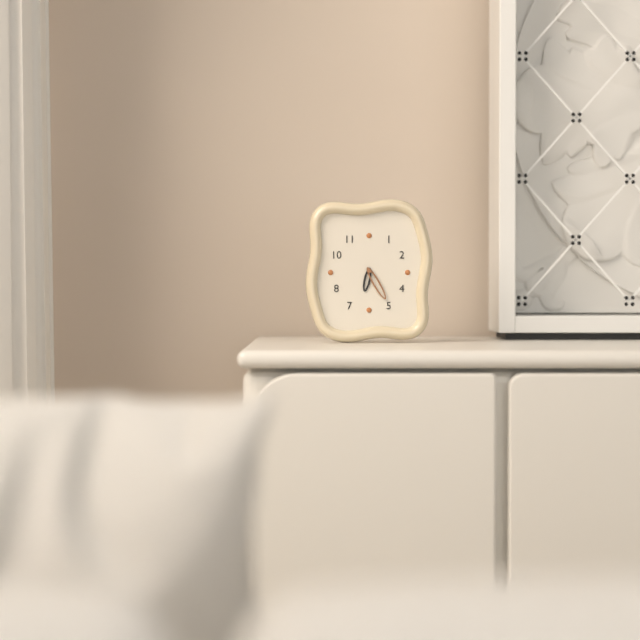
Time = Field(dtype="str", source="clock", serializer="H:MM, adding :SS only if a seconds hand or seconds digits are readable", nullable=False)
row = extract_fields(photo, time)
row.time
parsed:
6:25
